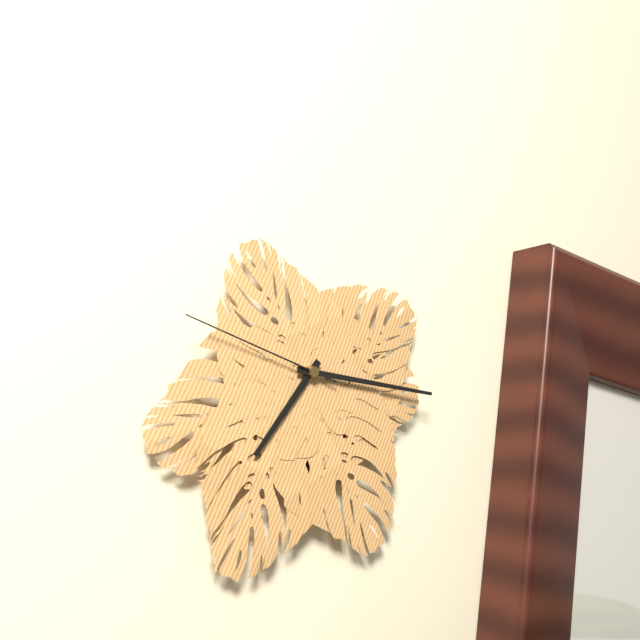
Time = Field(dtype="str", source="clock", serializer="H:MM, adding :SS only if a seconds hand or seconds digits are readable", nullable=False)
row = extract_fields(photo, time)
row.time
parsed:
7:16:48
